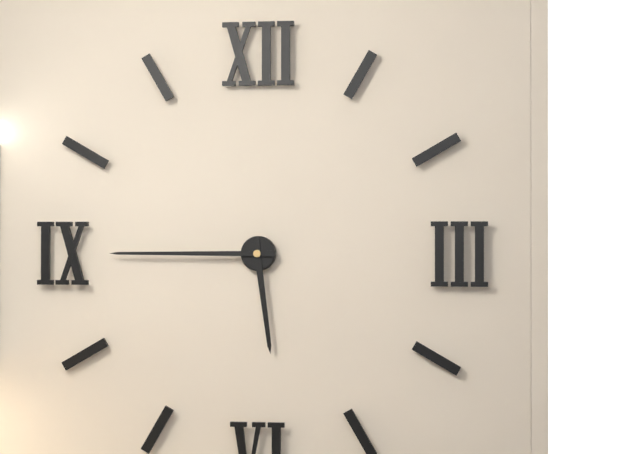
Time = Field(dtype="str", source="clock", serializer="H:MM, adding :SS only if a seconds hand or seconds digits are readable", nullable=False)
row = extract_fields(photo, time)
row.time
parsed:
5:45
